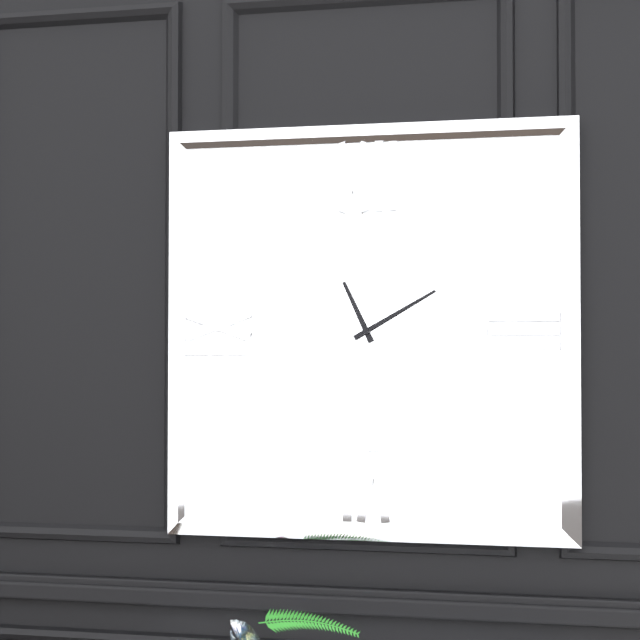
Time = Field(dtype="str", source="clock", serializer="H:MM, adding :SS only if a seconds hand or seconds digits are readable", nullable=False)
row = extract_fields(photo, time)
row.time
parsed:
11:10
